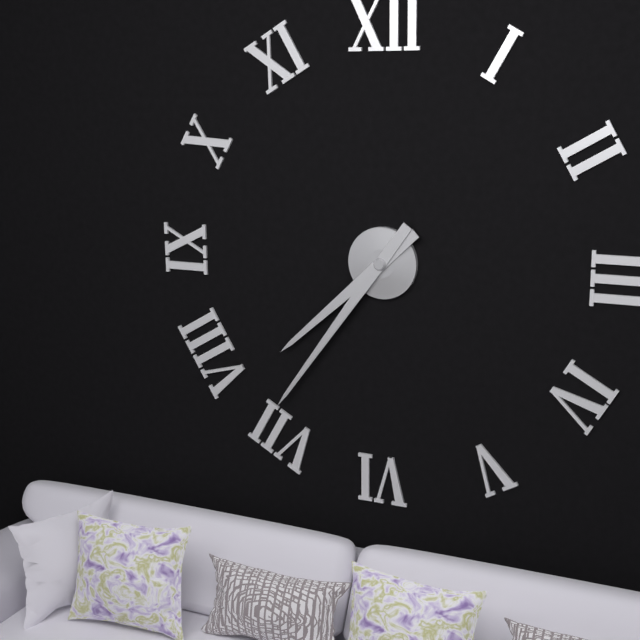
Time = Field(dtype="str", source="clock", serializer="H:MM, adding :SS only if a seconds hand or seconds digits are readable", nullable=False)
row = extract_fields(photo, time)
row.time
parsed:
7:36
